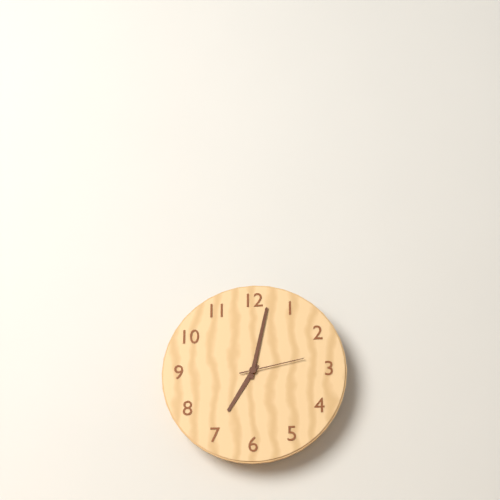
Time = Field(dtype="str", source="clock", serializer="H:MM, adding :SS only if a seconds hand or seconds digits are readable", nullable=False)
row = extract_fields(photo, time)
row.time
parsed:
7:02:13
